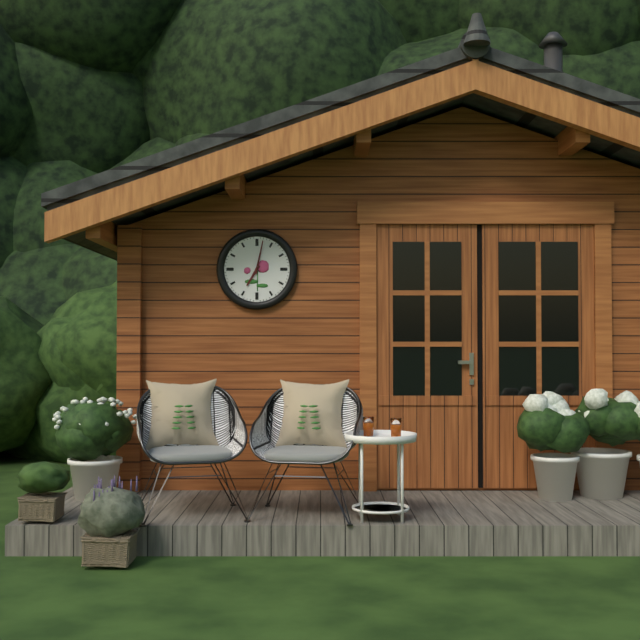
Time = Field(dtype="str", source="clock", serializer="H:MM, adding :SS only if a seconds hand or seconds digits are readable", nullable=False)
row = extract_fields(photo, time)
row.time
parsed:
7:02
